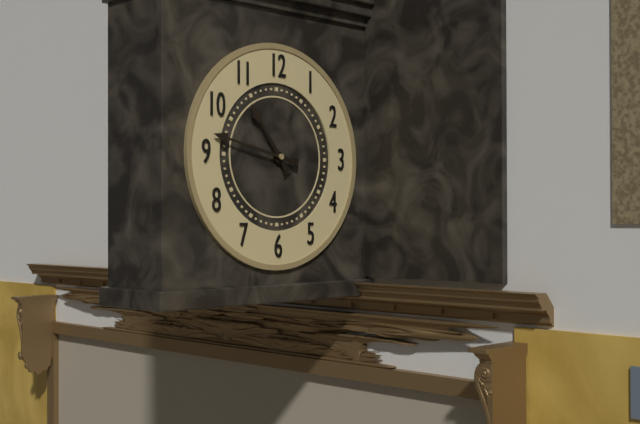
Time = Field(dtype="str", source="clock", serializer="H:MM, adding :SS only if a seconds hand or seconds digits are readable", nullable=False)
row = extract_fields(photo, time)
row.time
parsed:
10:47
